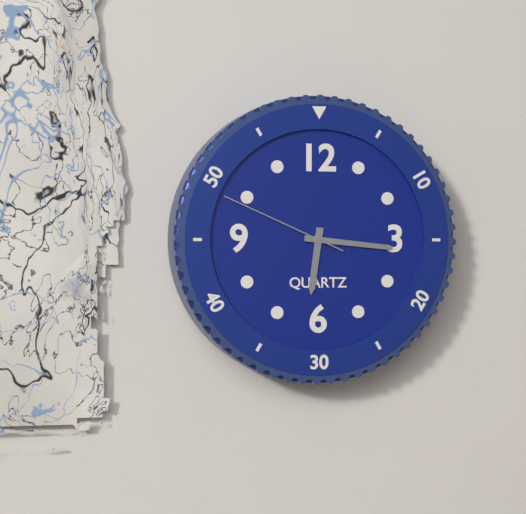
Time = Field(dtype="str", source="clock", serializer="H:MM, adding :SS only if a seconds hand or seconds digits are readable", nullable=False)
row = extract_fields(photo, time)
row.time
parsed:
6:16:49
